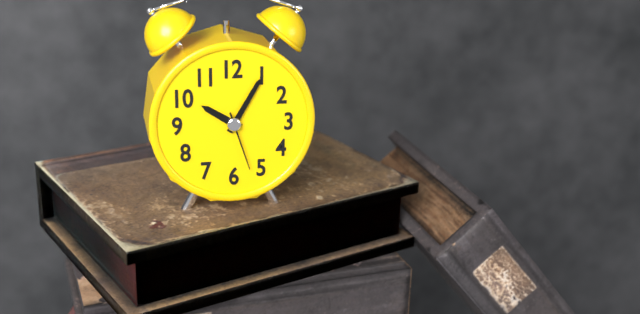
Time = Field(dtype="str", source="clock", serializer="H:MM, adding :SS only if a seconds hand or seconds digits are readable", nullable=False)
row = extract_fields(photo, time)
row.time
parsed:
10:05:27
